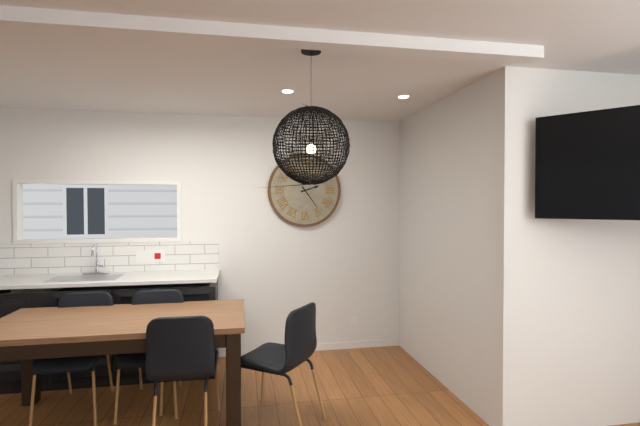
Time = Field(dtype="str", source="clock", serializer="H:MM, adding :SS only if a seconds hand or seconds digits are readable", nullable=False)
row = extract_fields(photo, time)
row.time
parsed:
2:24
